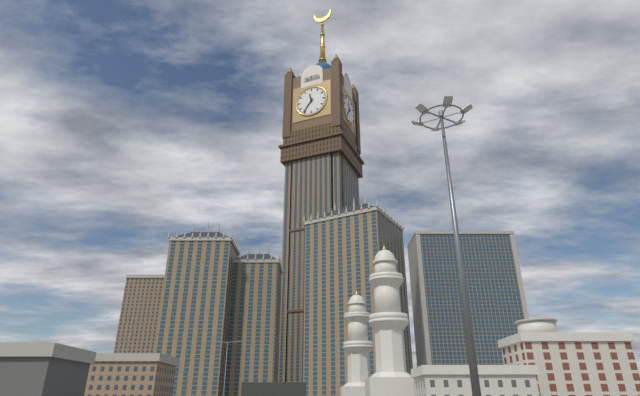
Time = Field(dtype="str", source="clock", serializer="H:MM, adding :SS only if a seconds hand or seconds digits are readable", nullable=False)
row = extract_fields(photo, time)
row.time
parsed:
11:36
